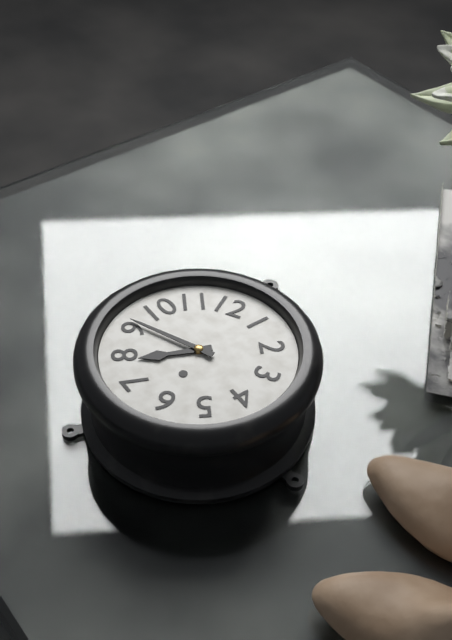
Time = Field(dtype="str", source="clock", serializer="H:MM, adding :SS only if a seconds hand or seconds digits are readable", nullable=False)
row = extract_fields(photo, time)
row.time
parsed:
7:46
